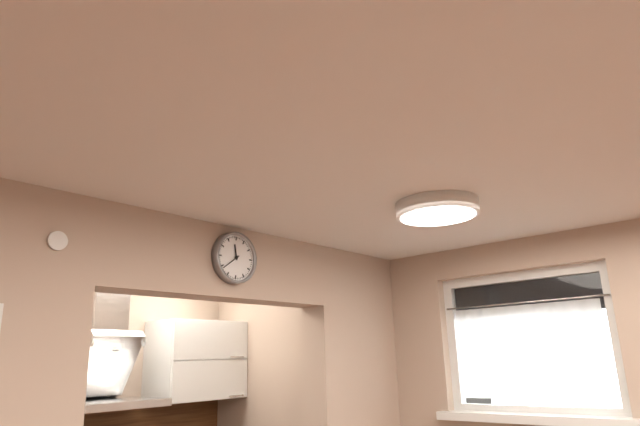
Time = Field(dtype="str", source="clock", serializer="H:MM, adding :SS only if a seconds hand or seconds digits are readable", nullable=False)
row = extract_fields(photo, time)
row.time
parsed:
11:39
